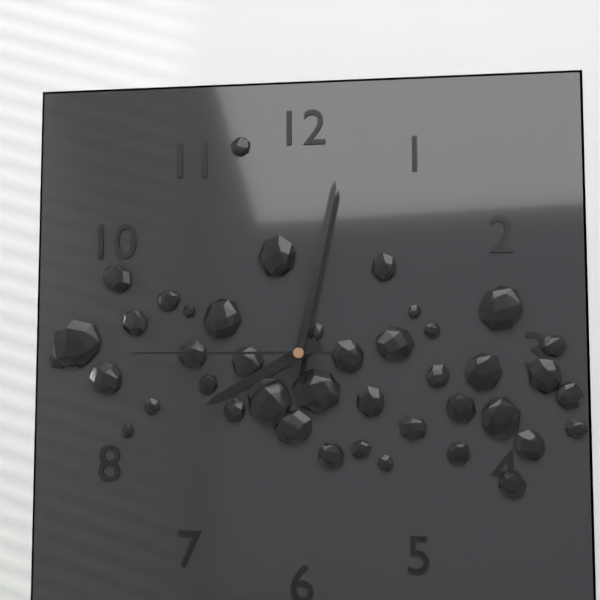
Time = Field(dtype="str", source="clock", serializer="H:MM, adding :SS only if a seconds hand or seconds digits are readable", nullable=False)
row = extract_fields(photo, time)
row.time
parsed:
8:02:45
